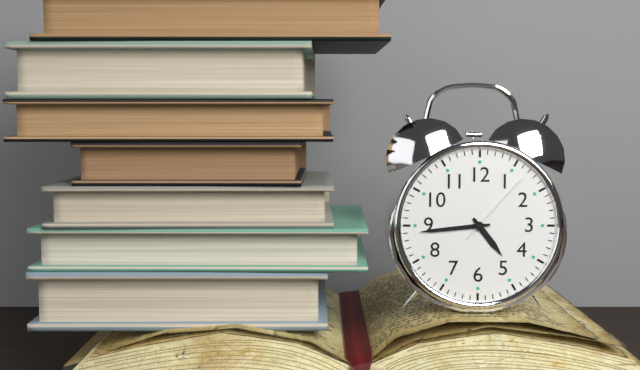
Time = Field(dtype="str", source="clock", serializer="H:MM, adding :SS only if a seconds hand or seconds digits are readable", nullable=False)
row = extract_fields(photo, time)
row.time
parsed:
4:44:07
